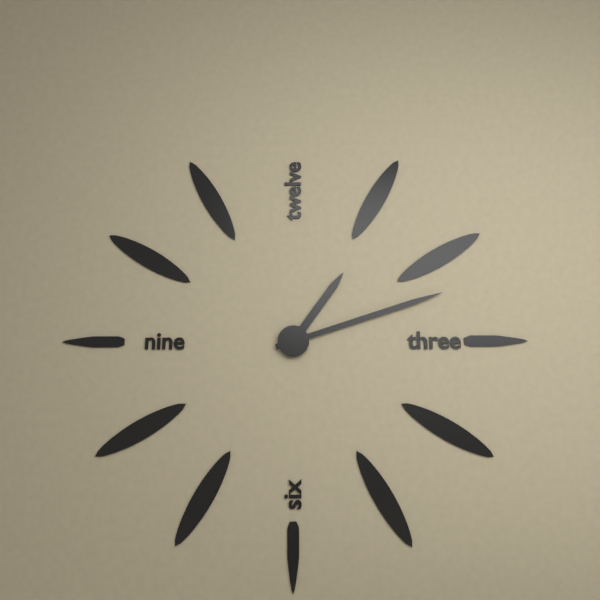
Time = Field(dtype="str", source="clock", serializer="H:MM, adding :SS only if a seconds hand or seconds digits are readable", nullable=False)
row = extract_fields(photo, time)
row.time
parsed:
1:12
